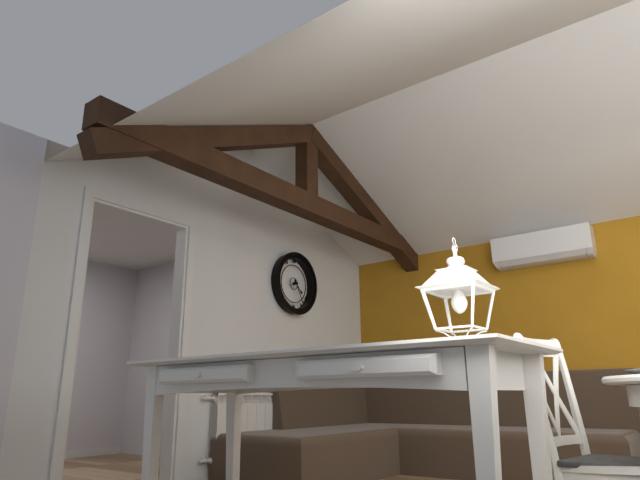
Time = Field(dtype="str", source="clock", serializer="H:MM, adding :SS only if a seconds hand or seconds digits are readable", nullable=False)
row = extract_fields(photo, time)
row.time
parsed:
4:25
